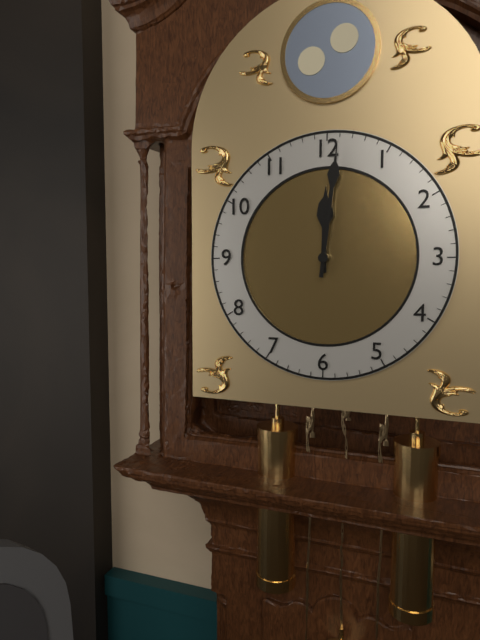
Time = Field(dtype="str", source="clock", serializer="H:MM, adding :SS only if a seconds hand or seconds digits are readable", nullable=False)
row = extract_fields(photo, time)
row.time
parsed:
12:01
